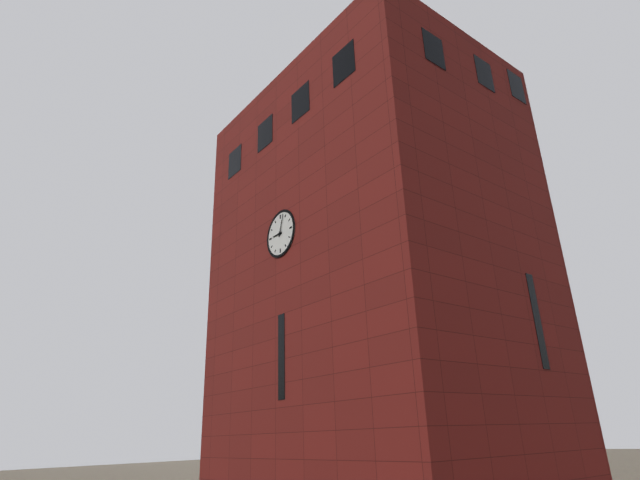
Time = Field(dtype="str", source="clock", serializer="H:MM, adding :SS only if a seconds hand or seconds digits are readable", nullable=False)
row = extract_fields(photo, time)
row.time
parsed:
9:03
